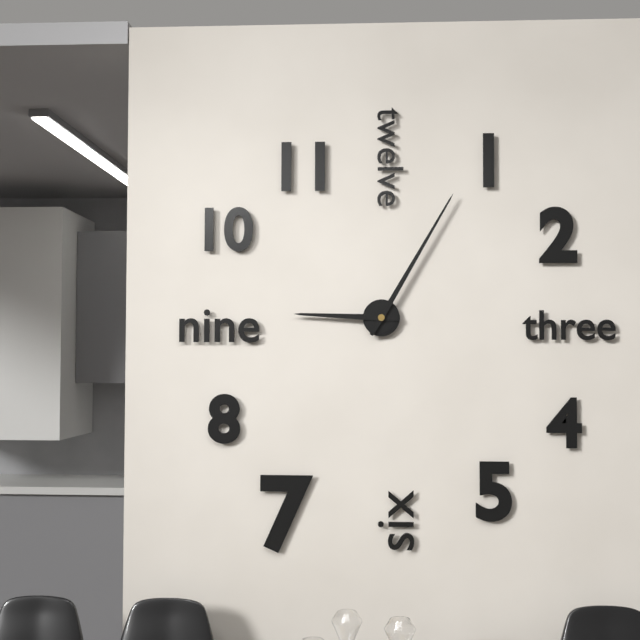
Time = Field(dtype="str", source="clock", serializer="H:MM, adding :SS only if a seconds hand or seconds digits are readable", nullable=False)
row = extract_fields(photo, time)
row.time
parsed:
9:05
